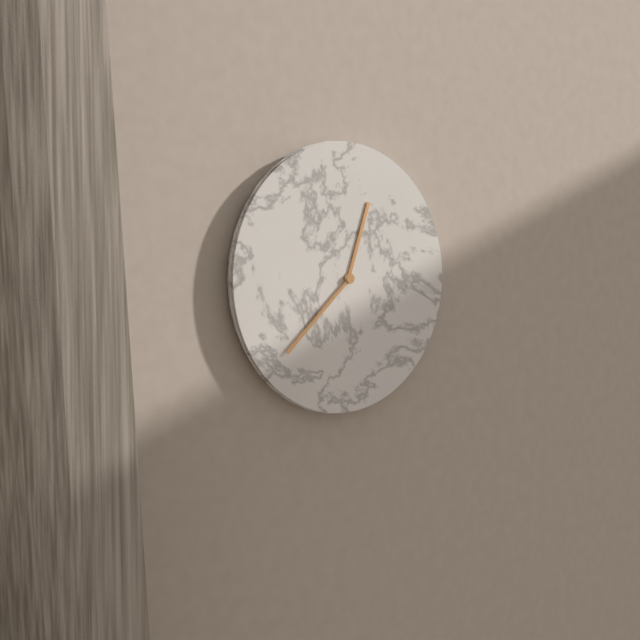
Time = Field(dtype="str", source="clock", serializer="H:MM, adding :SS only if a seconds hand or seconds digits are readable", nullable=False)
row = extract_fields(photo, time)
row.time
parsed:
12:38
